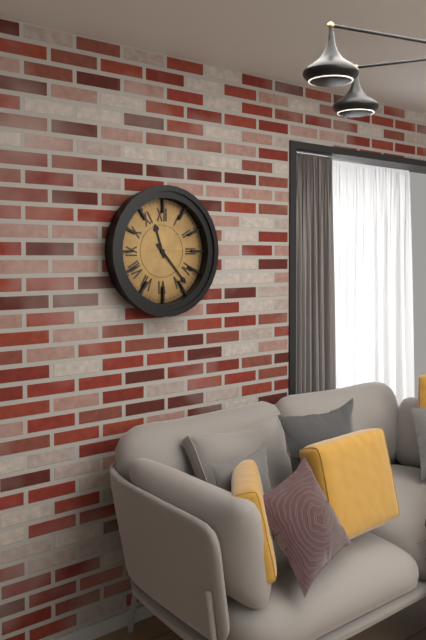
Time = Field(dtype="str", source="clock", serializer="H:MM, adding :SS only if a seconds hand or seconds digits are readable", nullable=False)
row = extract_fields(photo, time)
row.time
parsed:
11:23
